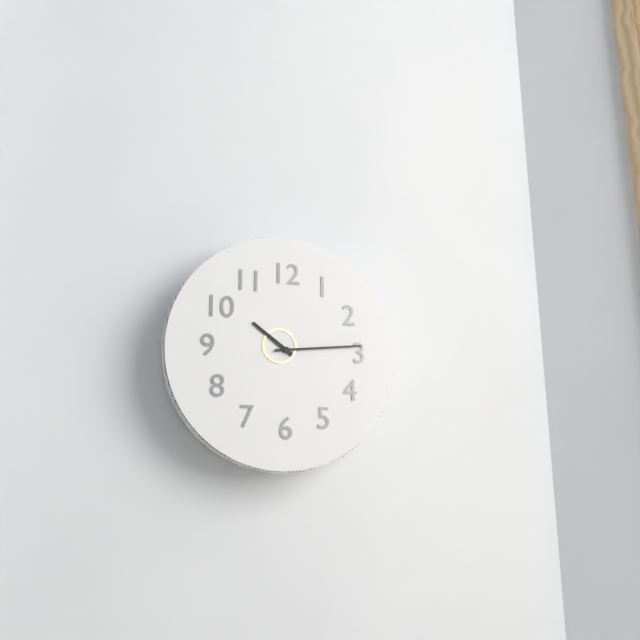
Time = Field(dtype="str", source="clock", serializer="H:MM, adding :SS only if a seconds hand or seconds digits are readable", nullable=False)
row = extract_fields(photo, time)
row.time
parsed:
10:14
